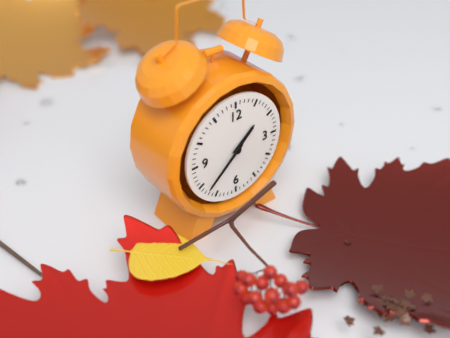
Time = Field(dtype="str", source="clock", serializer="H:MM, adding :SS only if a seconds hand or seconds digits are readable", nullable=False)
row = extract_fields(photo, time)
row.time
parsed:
1:38
